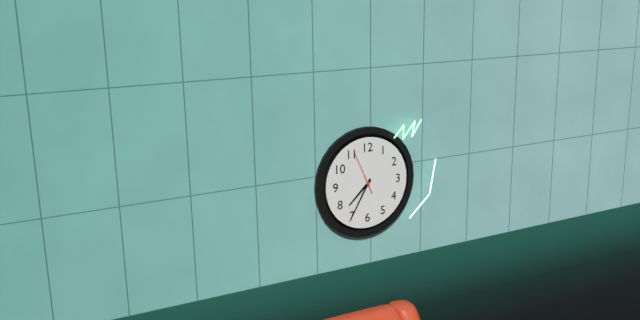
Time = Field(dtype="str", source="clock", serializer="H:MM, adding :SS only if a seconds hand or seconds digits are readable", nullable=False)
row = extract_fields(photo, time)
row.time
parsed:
7:35
